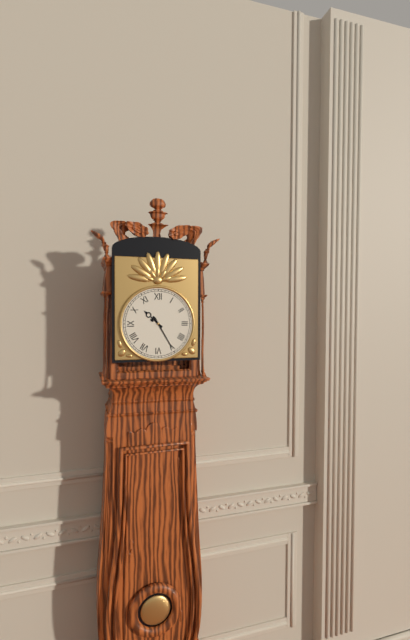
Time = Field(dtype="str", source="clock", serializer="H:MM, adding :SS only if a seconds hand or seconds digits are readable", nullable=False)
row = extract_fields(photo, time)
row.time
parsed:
10:25
